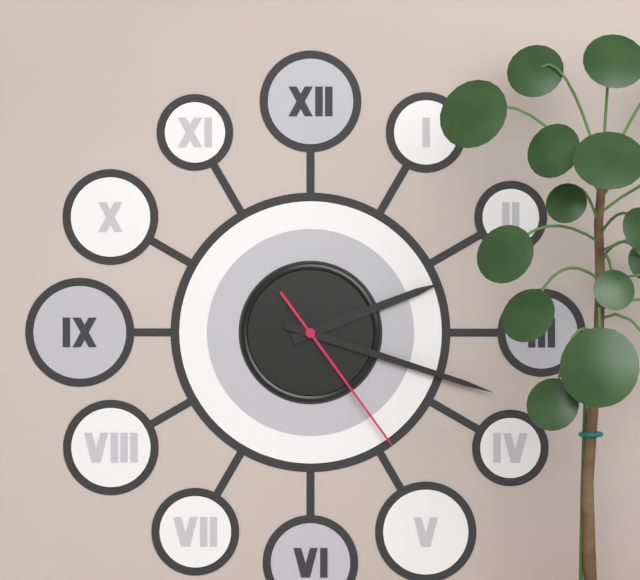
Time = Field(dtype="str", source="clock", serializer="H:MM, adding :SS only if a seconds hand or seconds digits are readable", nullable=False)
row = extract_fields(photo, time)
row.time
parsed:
2:18:24
